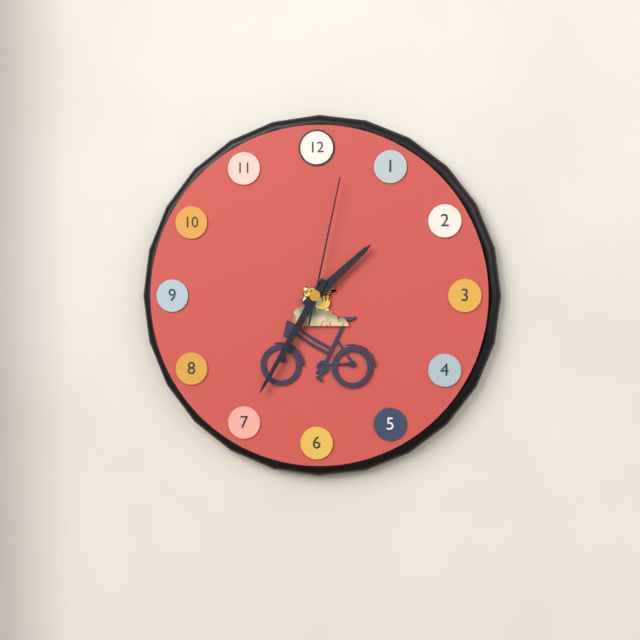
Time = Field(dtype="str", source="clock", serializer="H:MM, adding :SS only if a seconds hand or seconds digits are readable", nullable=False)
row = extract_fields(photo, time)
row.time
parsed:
1:35:02
